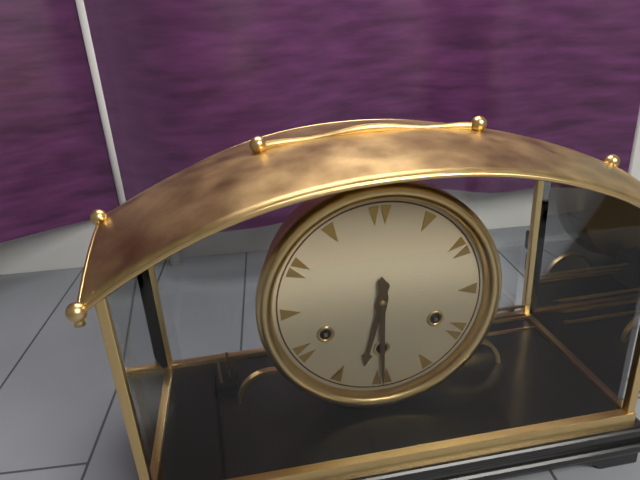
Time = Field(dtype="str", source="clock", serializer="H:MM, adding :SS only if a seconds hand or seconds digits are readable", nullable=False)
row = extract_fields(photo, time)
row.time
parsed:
6:30
